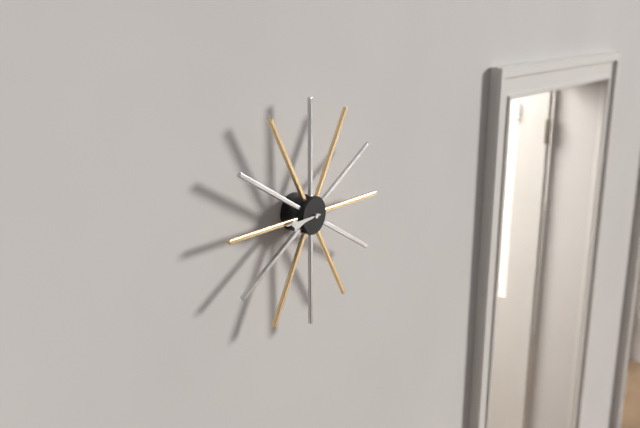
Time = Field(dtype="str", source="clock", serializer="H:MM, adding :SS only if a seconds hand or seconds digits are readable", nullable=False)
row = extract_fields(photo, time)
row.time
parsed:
8:45
